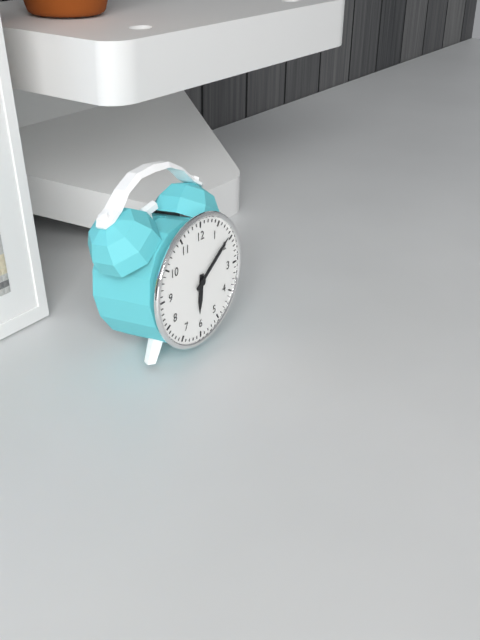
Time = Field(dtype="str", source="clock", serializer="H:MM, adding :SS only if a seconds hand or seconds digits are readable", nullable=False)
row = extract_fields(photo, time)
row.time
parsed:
6:09
